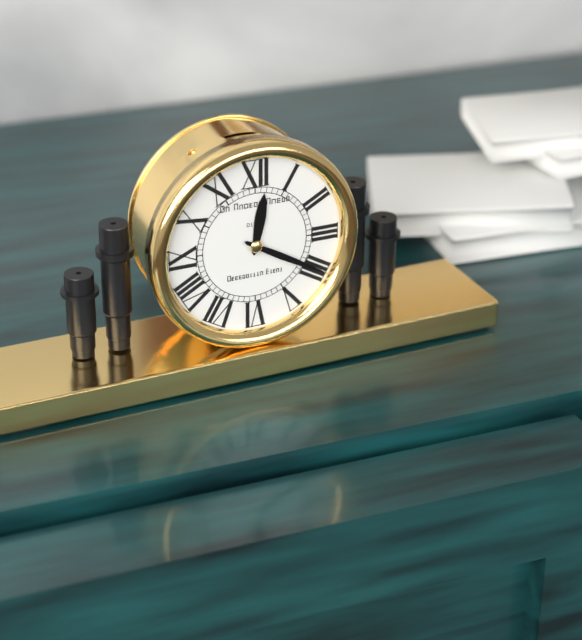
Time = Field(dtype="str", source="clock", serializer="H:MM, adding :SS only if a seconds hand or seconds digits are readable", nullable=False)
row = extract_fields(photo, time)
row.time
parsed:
12:20
